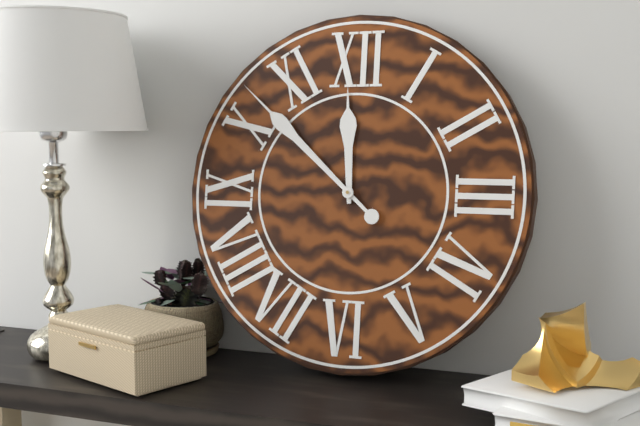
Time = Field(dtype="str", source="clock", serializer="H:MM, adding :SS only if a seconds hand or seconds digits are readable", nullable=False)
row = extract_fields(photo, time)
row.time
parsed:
11:52
